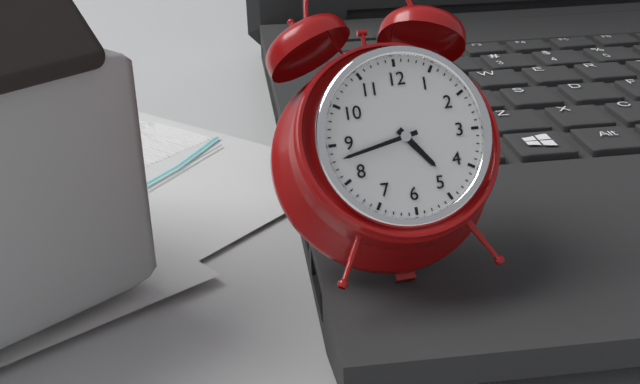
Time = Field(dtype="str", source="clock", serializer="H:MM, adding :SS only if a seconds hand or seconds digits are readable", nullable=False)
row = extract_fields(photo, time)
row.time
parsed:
4:43
